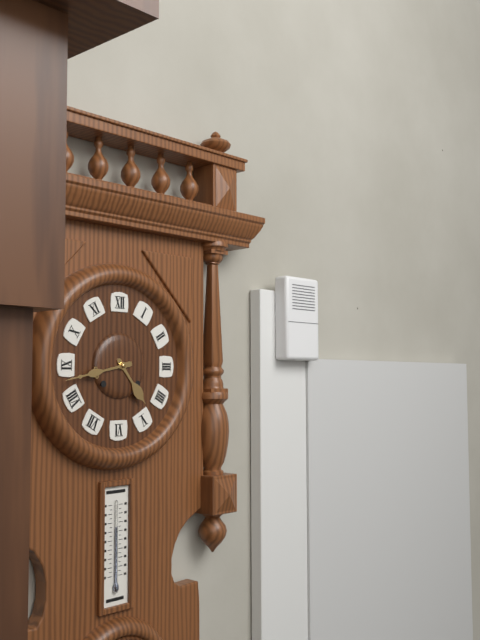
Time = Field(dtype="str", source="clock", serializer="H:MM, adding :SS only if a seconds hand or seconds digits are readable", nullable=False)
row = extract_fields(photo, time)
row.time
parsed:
4:43
